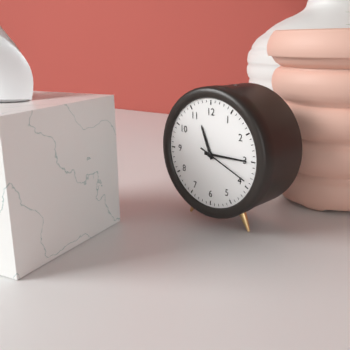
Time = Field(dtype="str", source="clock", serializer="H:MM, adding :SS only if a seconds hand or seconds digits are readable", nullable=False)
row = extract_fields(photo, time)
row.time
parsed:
11:15:19
